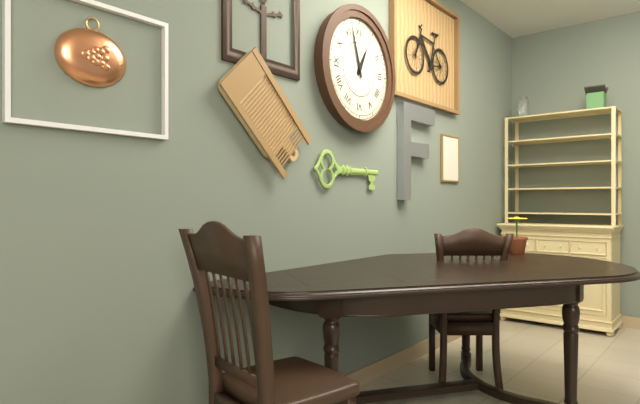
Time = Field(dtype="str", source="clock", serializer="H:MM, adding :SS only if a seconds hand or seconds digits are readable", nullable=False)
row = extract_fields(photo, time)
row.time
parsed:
12:57
